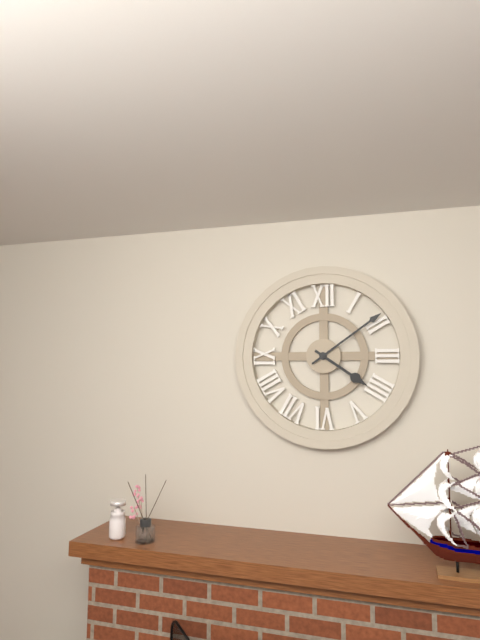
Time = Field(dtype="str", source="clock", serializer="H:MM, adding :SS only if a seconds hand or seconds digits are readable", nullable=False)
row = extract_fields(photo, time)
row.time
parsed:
4:09
